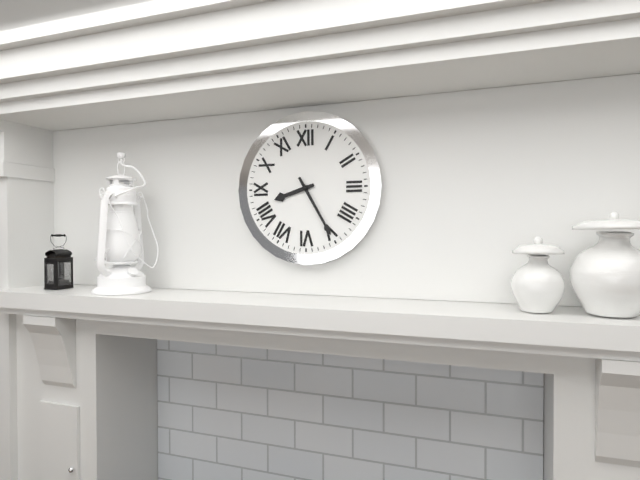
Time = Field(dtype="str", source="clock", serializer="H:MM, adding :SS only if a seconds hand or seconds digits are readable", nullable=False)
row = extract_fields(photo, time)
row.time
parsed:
8:25
